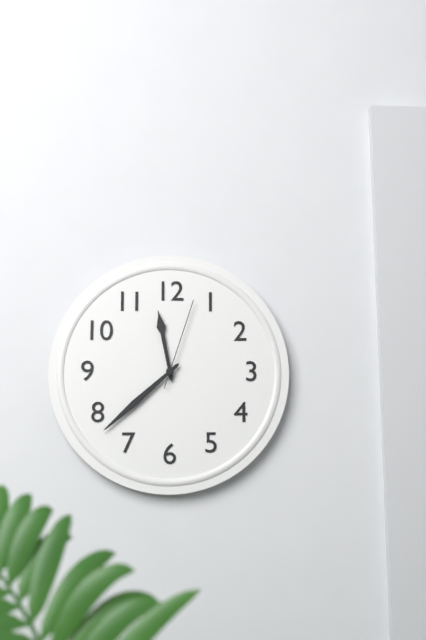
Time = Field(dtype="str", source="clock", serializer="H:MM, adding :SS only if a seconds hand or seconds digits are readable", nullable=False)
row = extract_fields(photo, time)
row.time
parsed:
11:38:03
